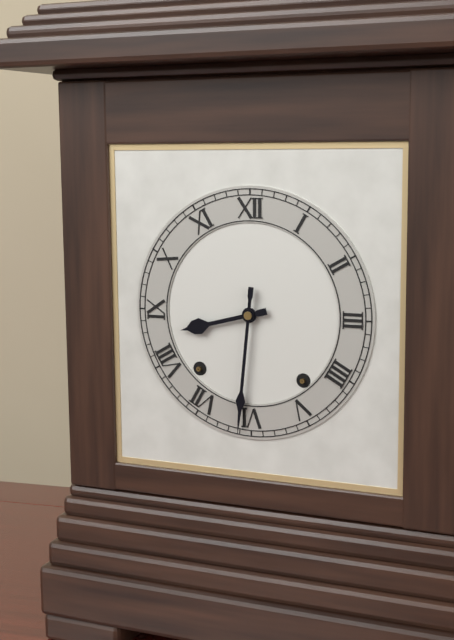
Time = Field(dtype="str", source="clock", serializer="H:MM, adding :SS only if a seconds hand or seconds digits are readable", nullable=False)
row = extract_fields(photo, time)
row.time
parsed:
8:31
